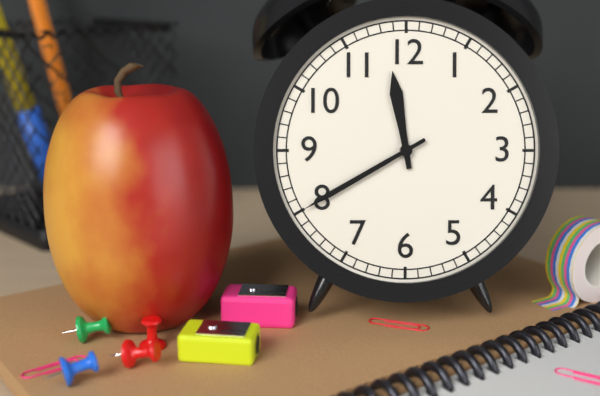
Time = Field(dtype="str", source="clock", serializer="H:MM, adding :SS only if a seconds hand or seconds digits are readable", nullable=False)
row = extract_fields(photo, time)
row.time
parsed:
11:40
